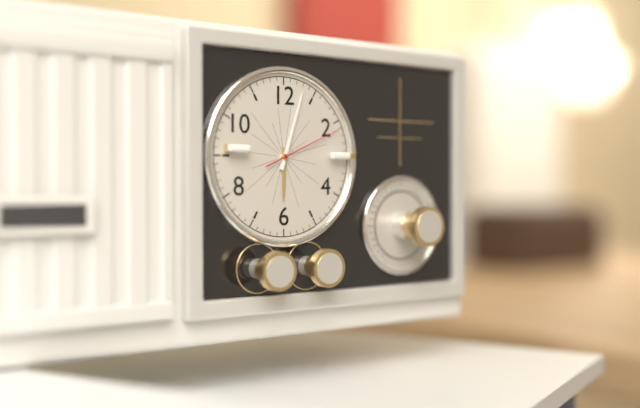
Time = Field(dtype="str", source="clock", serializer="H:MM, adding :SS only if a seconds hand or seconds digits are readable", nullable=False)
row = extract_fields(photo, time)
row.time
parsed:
6:03:11
